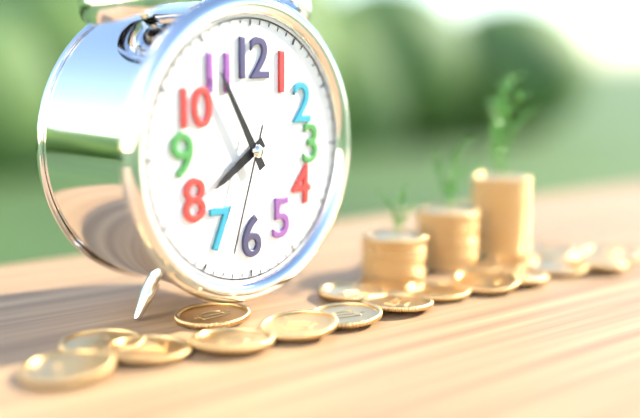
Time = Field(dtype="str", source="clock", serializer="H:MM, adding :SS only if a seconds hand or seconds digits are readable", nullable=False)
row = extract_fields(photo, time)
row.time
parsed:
7:55:33
